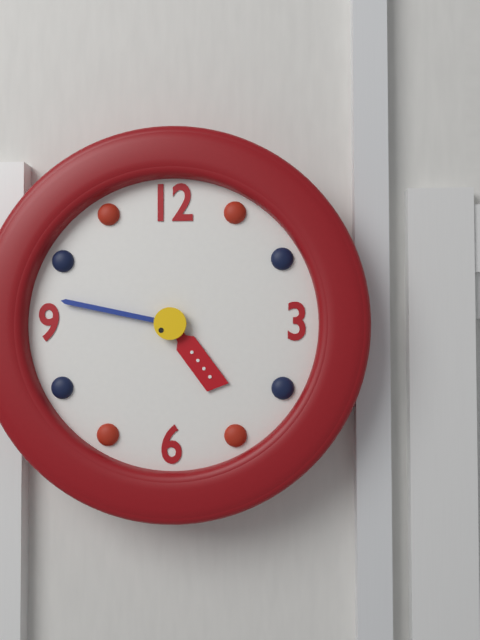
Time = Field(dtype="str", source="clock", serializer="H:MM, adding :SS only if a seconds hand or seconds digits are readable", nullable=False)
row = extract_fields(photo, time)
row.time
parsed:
4:47
